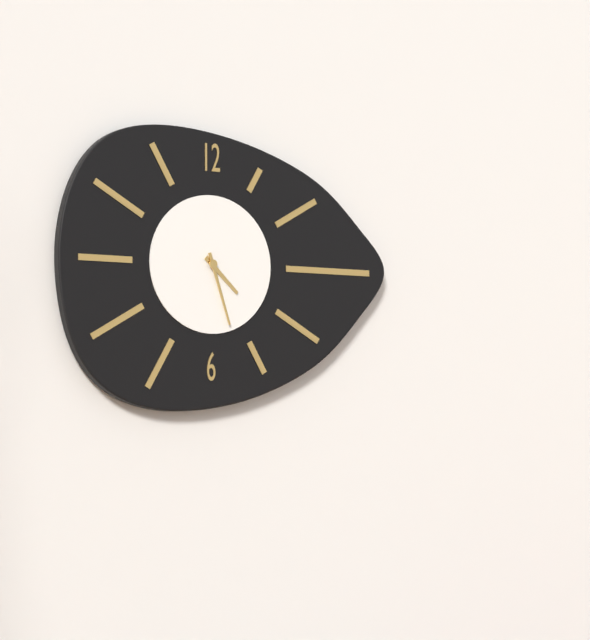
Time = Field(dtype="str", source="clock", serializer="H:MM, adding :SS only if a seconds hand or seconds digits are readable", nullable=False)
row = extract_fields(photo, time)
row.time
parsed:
4:27
